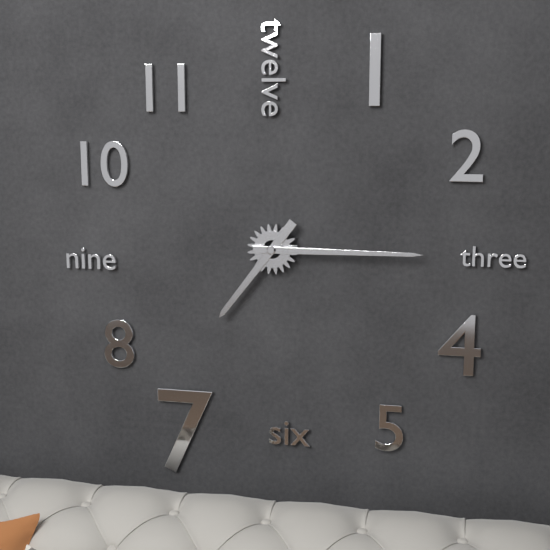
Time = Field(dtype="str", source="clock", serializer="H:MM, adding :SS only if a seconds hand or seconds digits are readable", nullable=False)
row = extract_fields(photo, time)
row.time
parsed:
7:15
